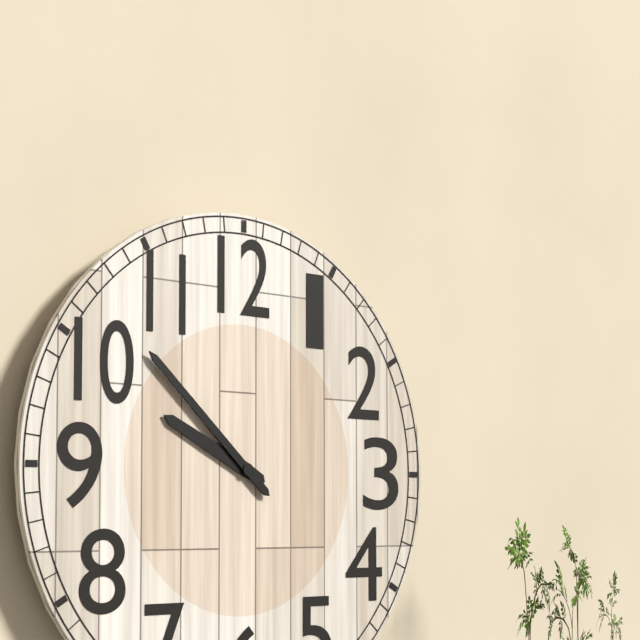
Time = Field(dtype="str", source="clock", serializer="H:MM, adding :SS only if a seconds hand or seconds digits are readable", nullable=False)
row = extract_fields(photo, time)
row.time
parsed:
9:52
